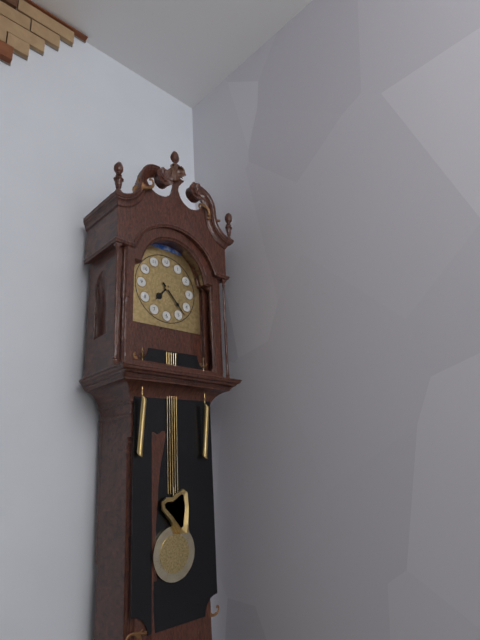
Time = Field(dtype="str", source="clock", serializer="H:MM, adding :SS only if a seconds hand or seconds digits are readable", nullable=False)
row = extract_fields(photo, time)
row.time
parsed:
7:23
